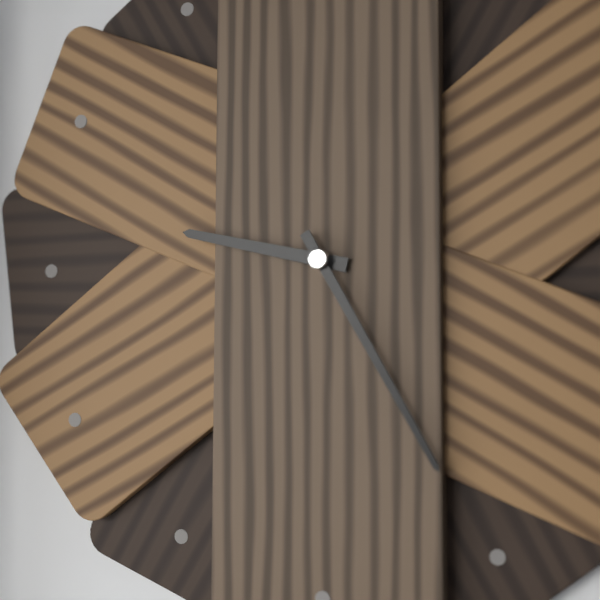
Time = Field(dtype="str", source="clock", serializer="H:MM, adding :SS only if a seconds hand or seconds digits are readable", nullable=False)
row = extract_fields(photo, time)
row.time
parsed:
9:25
